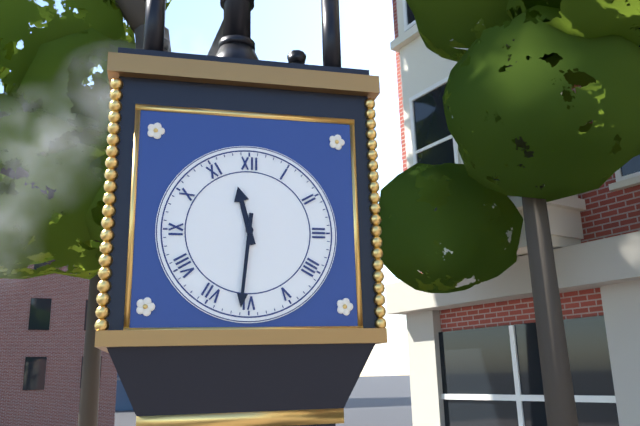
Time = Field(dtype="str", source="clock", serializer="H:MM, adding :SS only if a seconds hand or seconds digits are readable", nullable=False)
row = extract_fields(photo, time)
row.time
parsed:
11:31
